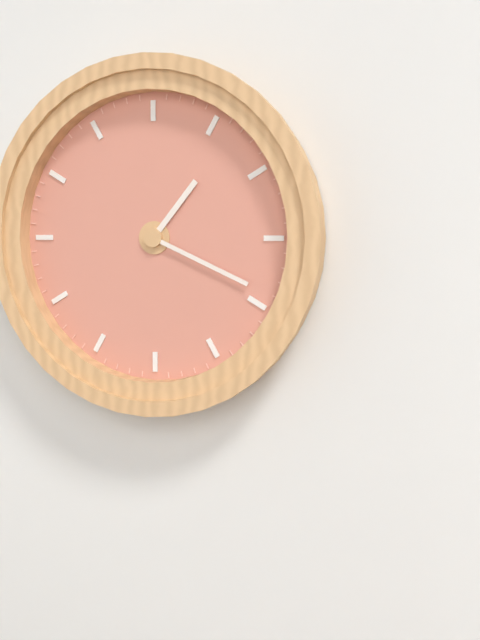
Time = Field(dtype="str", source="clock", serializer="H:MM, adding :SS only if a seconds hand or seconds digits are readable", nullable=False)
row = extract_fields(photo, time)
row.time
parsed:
1:19
